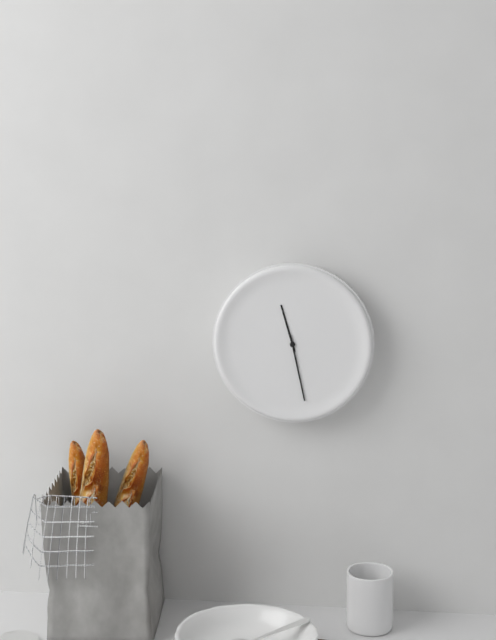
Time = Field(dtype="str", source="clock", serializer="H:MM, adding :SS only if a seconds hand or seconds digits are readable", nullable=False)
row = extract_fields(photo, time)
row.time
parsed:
11:28
